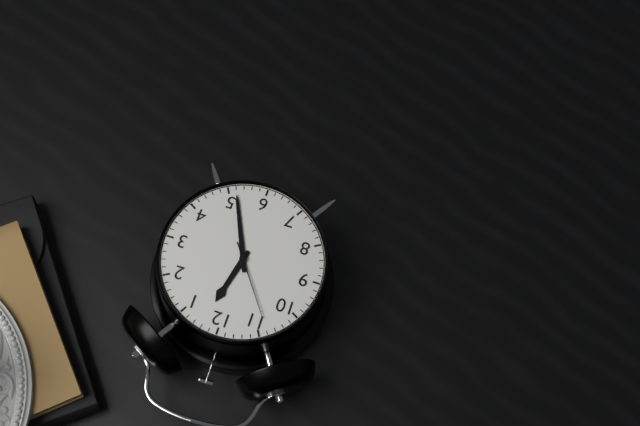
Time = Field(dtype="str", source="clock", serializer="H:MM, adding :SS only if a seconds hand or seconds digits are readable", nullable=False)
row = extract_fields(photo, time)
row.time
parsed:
12:26:54
